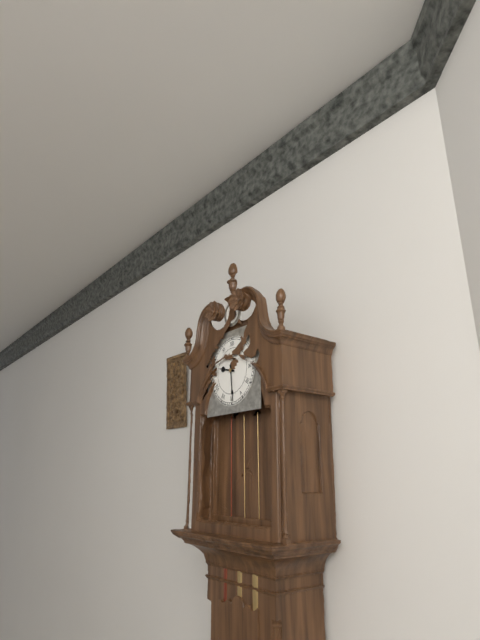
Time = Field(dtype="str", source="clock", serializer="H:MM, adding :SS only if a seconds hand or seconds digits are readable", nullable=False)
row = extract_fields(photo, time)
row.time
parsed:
9:29
